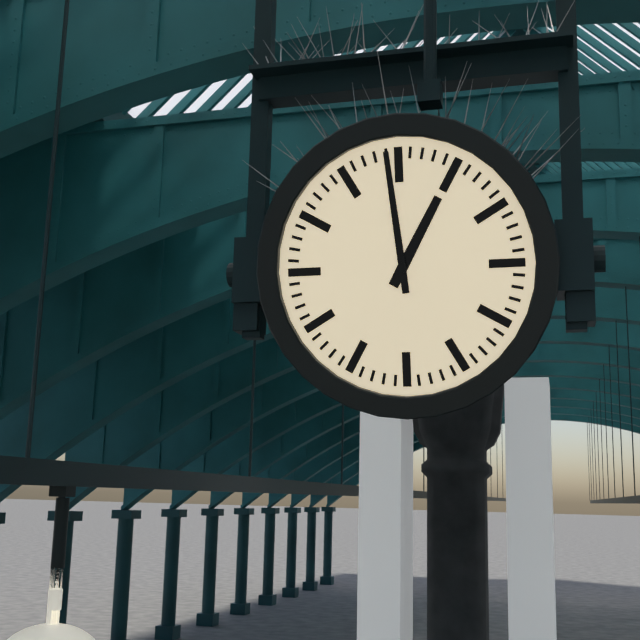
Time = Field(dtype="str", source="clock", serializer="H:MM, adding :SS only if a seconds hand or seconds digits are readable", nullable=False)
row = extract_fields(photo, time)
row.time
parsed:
12:59
